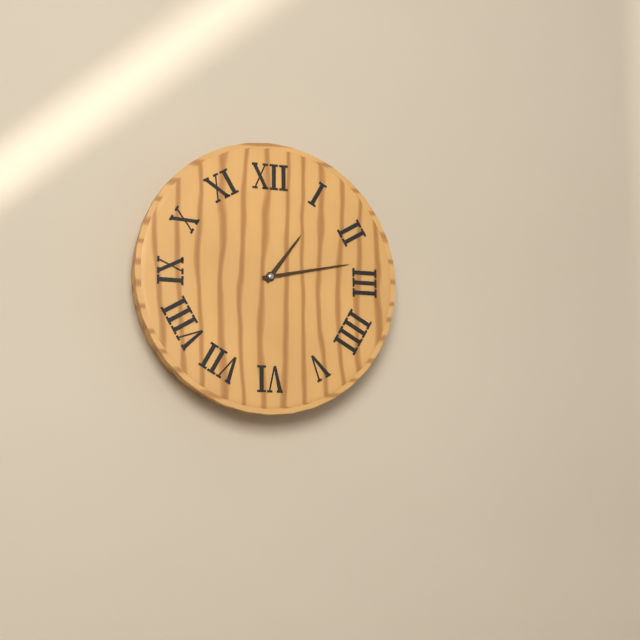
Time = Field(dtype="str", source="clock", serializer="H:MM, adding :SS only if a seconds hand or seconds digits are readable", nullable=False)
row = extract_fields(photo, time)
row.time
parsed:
1:13
